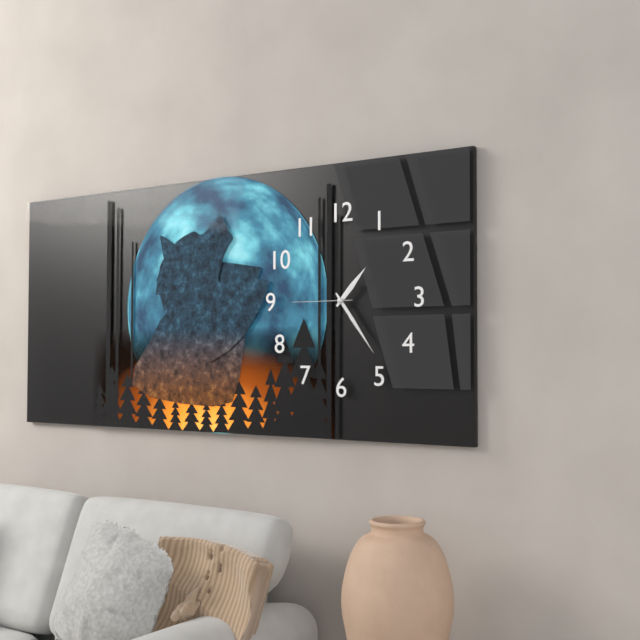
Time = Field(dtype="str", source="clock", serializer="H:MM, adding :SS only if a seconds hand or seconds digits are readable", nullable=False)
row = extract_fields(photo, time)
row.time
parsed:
1:24:45
